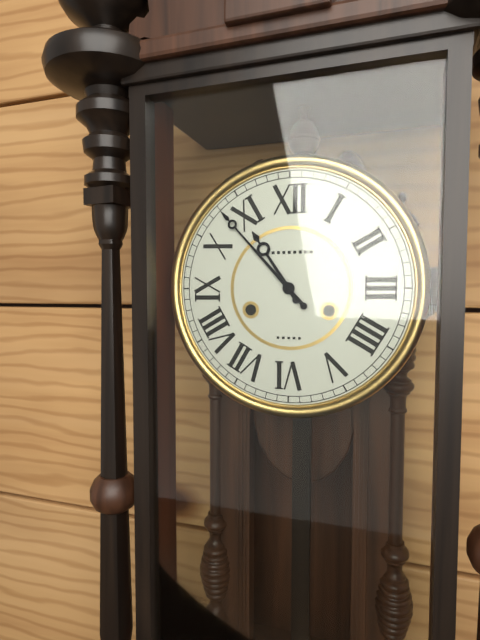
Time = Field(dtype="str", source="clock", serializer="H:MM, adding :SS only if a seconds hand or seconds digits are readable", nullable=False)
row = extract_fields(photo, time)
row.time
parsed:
10:53
